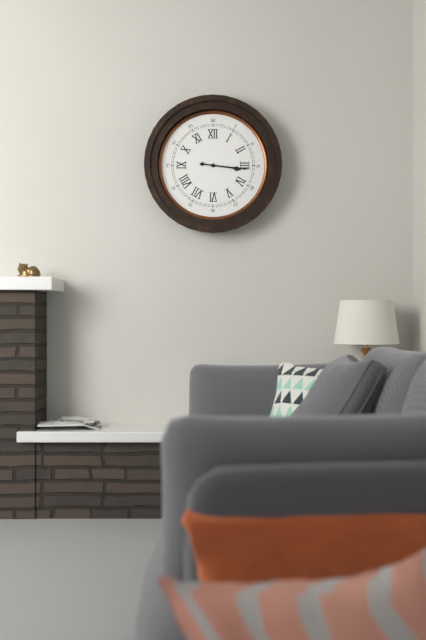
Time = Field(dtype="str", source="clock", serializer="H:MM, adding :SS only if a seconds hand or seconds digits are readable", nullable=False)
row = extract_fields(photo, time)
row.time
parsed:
3:16
